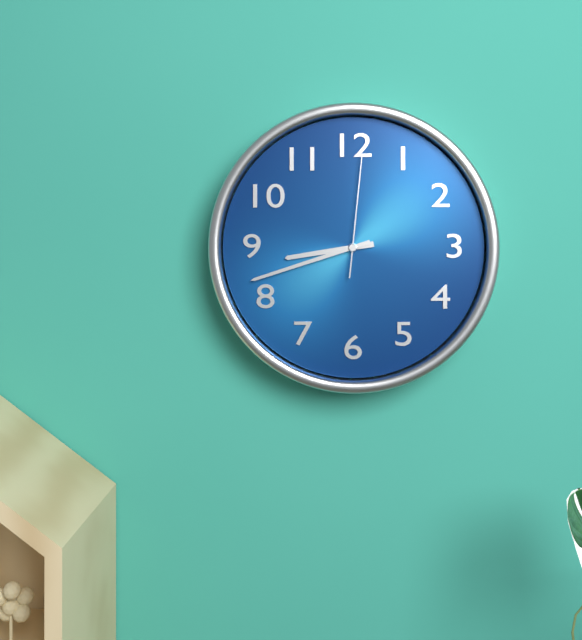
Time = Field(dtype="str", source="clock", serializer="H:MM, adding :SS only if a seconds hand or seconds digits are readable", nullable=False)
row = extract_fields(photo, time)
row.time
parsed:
8:42:01
